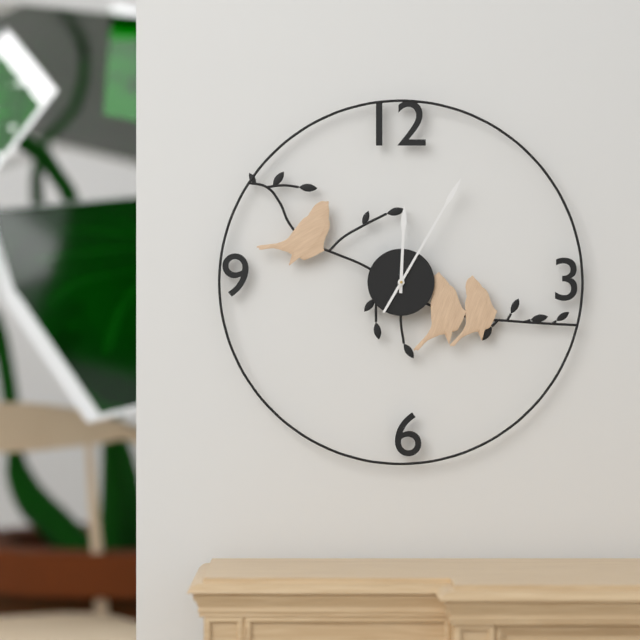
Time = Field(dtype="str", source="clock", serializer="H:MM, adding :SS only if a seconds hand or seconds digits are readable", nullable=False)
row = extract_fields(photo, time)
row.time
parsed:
12:05
